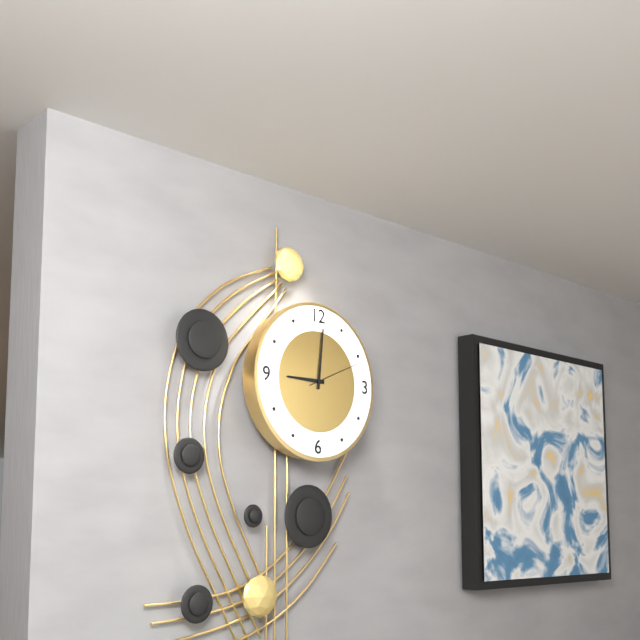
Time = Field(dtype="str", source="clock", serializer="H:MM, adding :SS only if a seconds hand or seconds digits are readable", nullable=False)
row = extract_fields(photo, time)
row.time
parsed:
9:01:11
